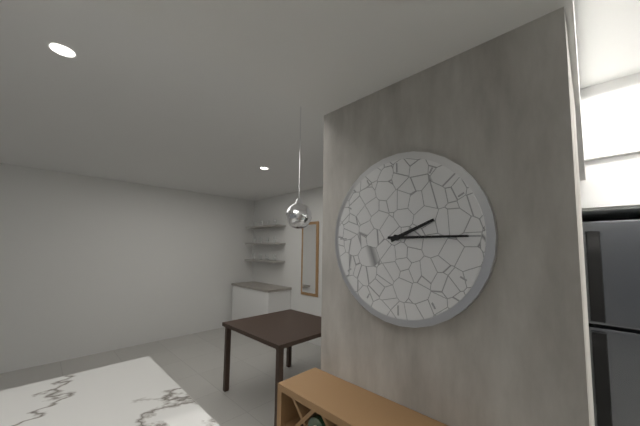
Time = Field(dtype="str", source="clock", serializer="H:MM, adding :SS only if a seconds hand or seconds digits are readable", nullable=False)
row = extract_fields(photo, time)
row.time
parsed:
2:15
